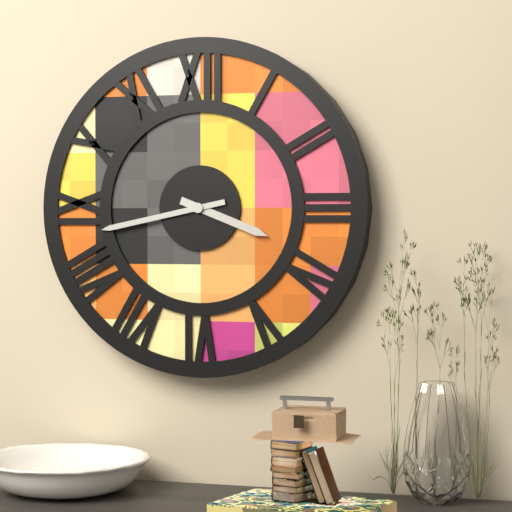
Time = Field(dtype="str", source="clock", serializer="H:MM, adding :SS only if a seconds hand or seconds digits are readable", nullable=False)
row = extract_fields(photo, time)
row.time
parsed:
3:43
